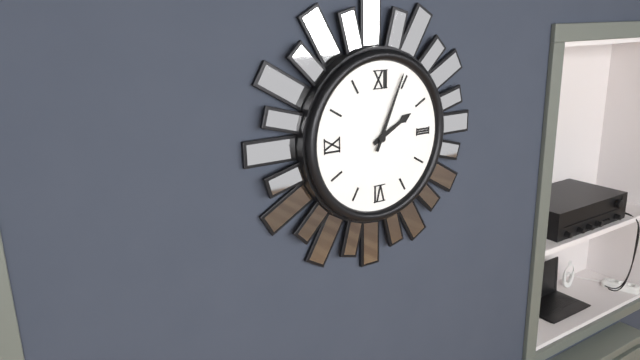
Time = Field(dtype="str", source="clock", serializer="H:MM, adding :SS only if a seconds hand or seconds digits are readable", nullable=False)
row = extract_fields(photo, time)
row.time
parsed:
2:04
